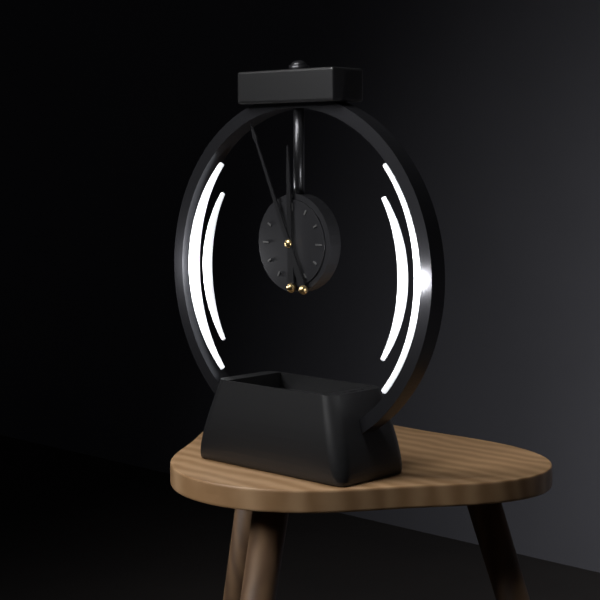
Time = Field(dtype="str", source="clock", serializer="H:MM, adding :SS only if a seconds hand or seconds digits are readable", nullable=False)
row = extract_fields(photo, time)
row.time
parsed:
11:56
